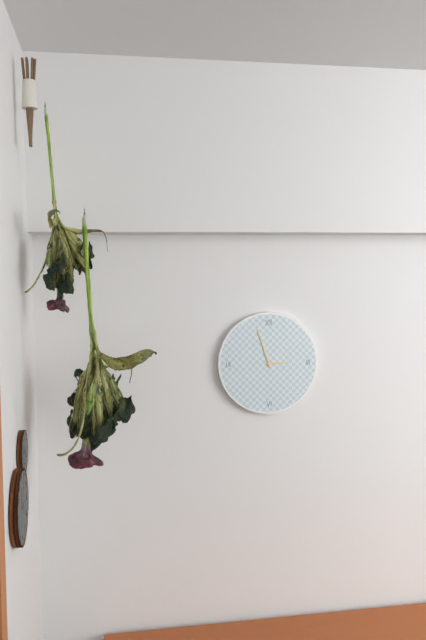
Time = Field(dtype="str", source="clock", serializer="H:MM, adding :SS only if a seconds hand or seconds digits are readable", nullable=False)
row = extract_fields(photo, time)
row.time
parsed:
2:57
